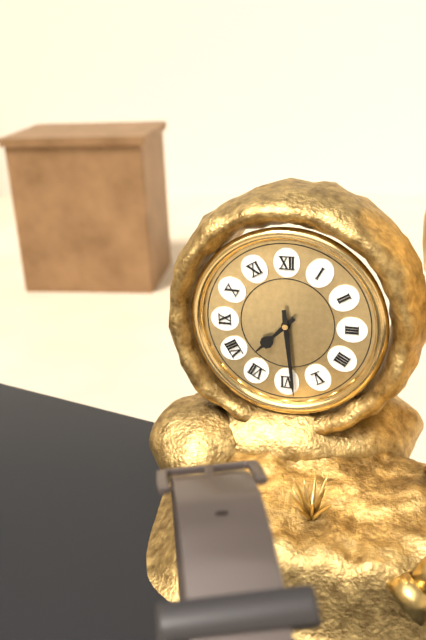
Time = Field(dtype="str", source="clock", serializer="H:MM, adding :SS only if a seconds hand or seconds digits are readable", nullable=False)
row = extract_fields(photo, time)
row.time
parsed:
7:29
